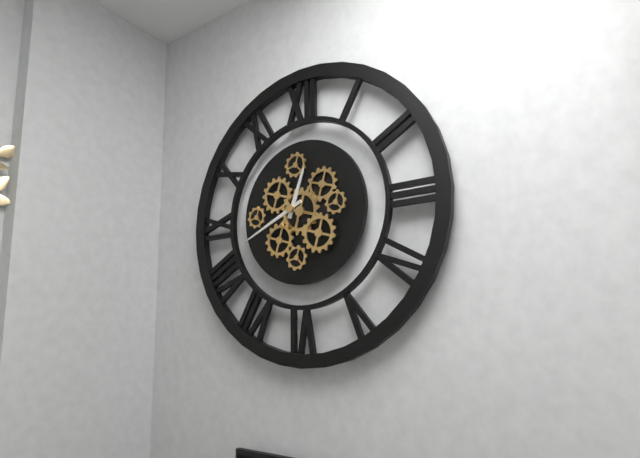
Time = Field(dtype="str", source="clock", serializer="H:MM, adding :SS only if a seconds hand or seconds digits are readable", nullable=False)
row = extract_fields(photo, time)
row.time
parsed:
12:41
